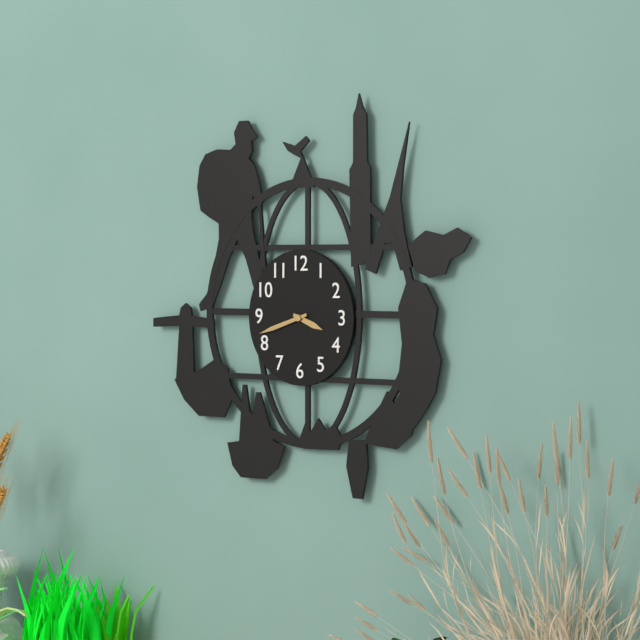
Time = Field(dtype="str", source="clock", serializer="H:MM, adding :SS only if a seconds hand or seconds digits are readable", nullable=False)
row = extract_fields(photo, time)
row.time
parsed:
3:42
